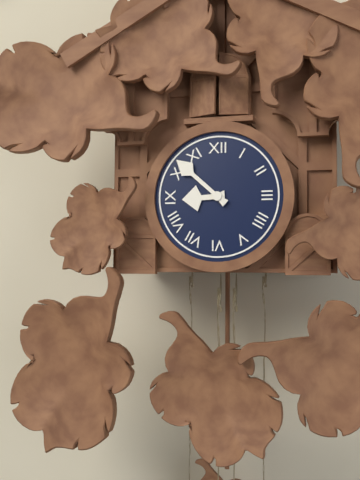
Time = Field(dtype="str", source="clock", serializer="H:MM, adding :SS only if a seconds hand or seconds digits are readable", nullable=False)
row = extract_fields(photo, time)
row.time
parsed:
8:52
